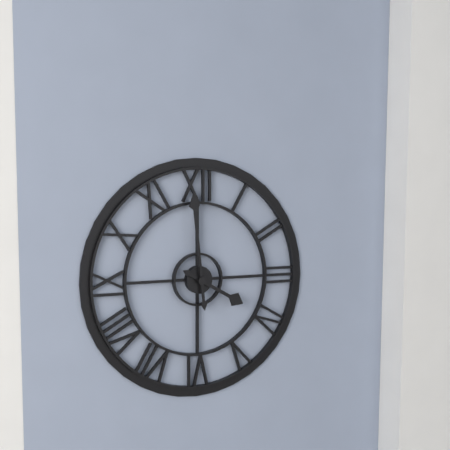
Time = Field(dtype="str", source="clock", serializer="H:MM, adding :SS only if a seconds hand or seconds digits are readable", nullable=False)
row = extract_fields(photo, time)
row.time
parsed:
3:59
